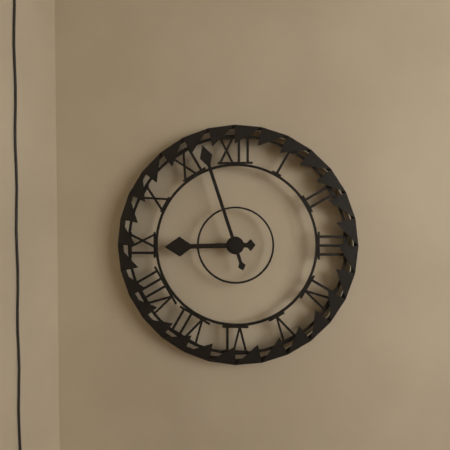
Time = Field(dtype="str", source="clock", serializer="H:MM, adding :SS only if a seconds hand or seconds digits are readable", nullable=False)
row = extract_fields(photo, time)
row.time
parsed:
8:57
